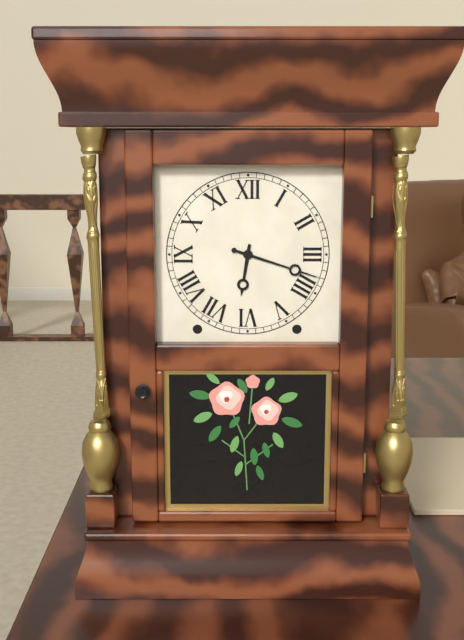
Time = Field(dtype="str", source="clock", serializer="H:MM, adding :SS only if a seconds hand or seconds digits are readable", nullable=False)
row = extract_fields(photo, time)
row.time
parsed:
6:18
